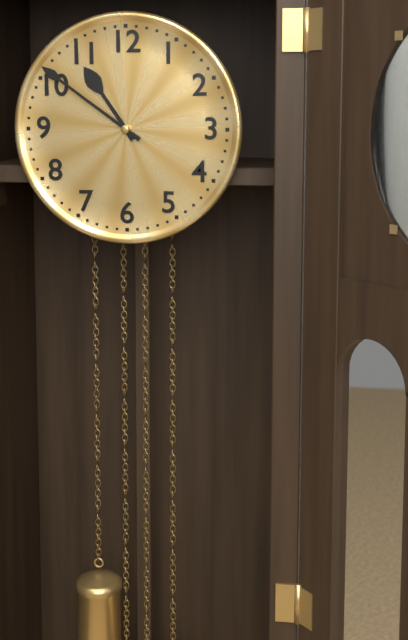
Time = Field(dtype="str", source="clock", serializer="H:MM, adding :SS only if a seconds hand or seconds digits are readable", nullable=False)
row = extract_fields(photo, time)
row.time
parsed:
10:51
